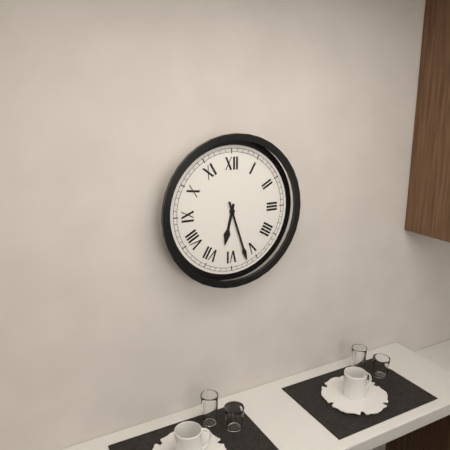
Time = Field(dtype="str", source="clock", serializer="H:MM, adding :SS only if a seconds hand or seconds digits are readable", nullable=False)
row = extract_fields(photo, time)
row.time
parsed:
6:27
